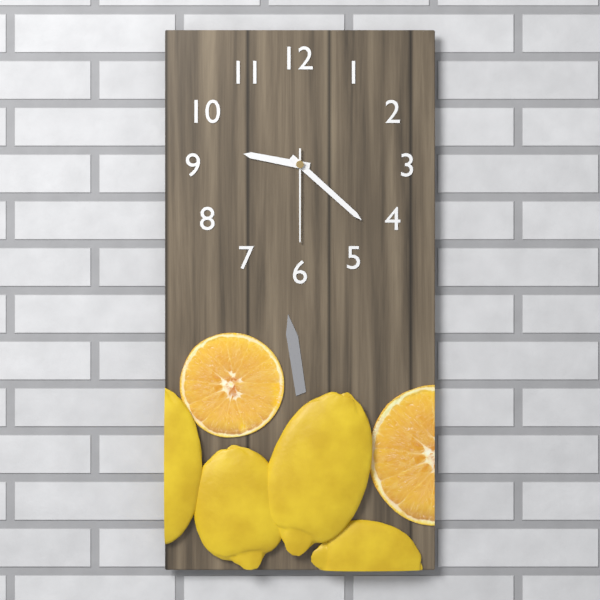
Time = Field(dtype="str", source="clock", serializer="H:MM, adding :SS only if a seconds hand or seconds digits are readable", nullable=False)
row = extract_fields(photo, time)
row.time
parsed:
9:22:30
